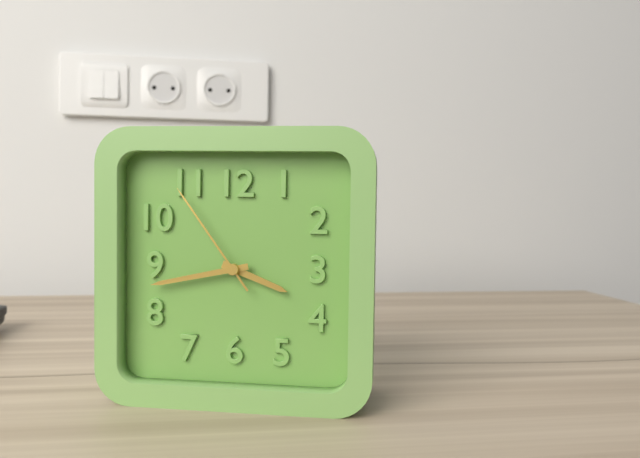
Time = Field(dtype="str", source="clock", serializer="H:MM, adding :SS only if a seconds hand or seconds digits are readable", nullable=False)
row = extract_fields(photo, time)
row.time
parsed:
3:43:54
